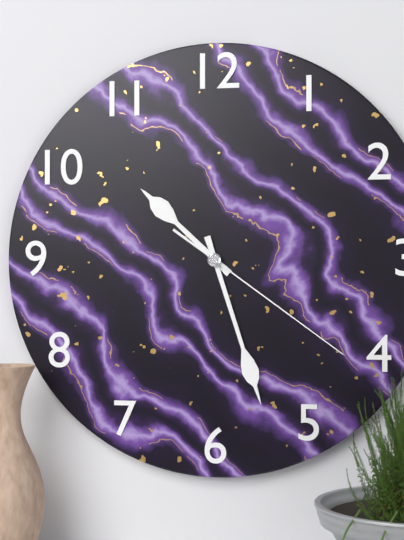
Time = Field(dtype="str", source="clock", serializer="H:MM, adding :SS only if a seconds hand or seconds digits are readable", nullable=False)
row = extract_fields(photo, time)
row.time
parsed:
10:27:21
